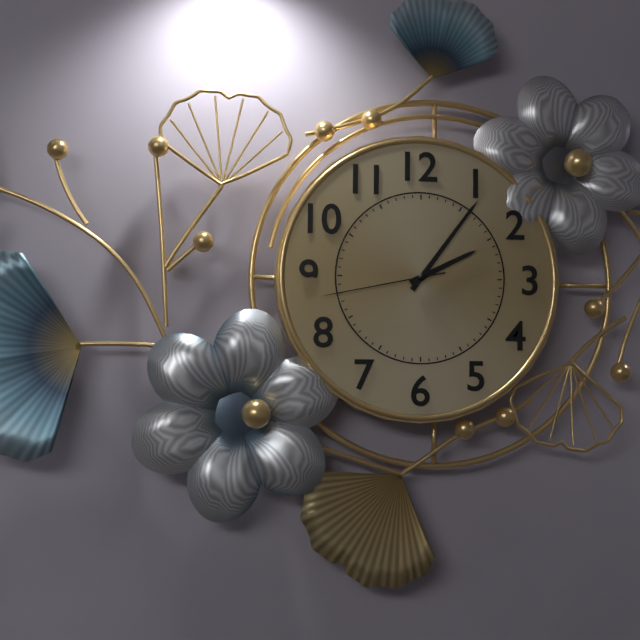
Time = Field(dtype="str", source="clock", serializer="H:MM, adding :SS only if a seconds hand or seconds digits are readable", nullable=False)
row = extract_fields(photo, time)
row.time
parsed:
2:06:43
